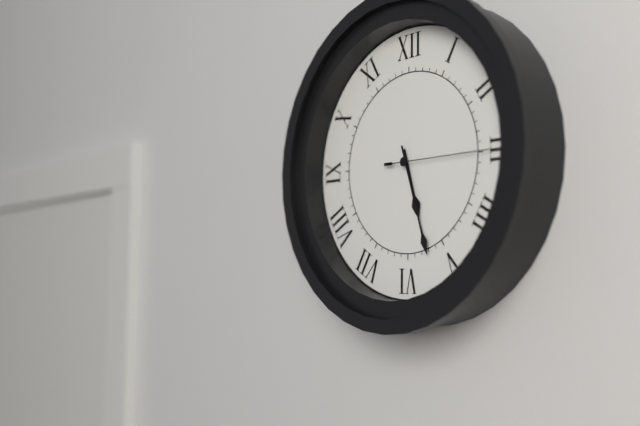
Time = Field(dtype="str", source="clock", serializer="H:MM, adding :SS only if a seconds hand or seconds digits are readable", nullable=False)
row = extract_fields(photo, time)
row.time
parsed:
5:27:15
